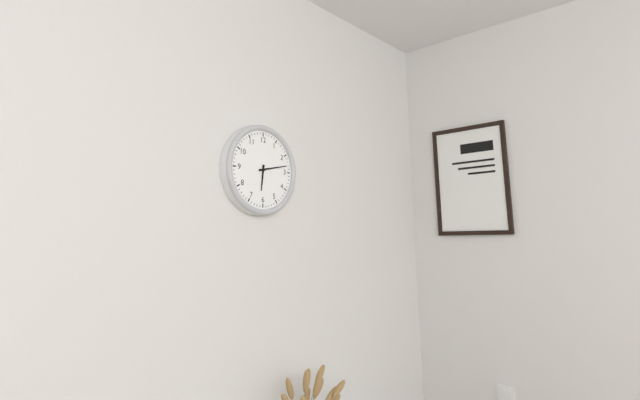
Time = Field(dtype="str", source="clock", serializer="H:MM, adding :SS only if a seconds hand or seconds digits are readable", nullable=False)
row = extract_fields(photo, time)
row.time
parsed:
6:13
